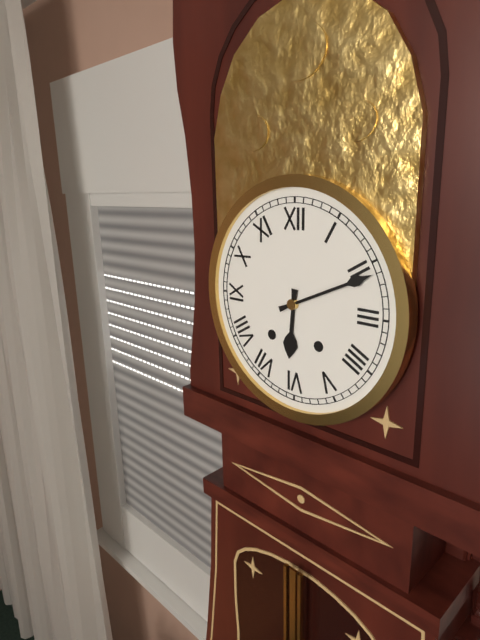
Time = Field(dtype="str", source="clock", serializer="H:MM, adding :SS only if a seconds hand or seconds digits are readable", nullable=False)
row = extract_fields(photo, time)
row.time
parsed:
6:11
